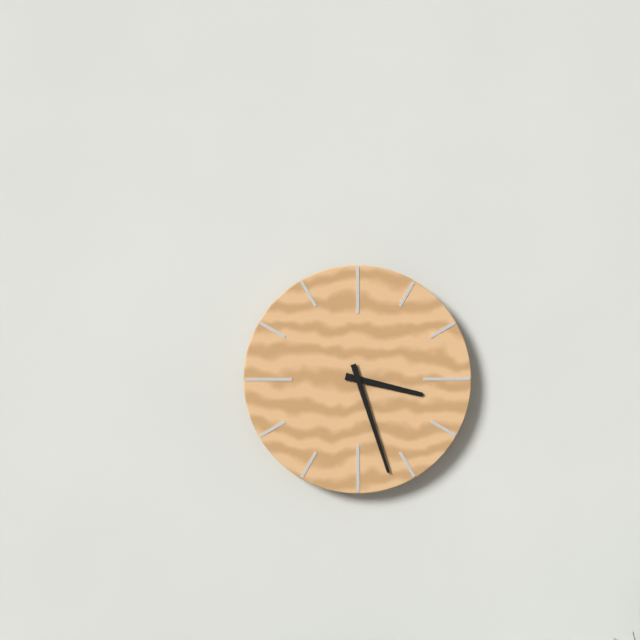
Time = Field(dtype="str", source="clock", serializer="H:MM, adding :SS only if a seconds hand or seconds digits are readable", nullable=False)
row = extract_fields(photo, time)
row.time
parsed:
3:27
